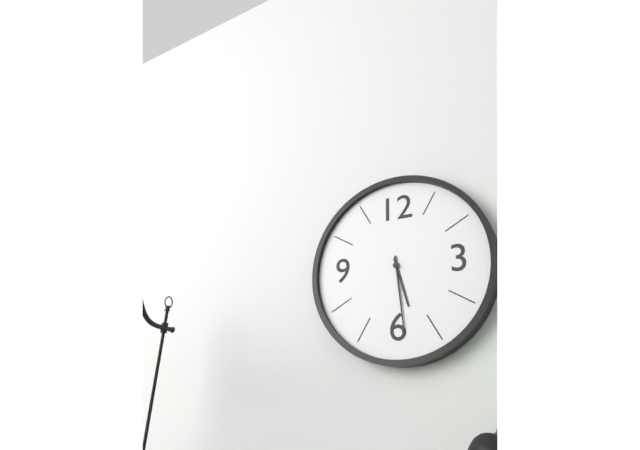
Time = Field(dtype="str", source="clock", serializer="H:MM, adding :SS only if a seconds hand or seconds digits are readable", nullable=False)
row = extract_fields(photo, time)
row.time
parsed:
5:29
